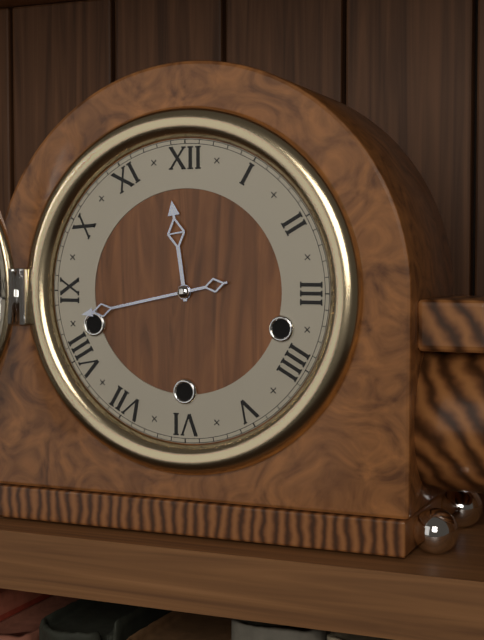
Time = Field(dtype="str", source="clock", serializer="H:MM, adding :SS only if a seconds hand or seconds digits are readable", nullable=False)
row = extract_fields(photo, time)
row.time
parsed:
11:43
